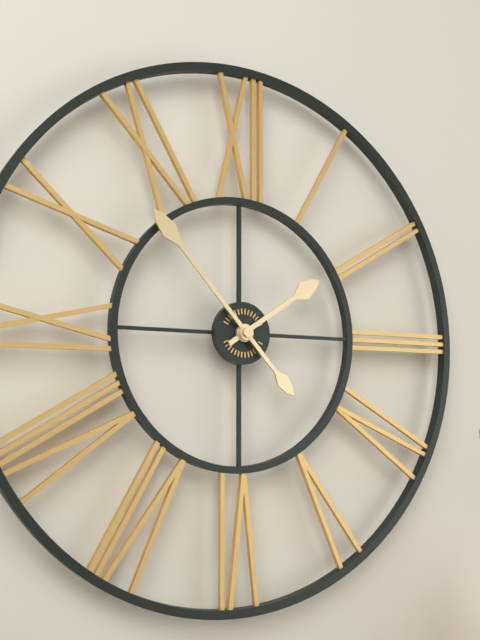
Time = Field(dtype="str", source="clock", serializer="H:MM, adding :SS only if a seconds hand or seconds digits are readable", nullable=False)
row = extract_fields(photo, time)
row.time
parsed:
1:53
